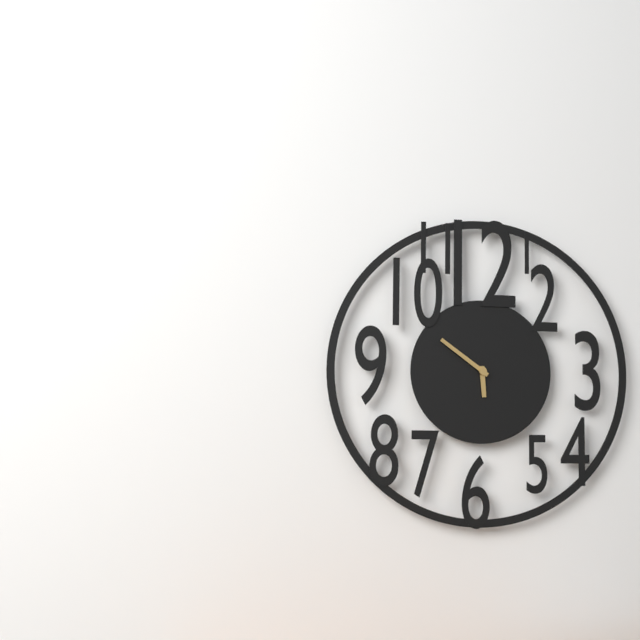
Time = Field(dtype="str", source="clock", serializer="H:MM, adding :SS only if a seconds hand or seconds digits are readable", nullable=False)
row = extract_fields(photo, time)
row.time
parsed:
5:51
